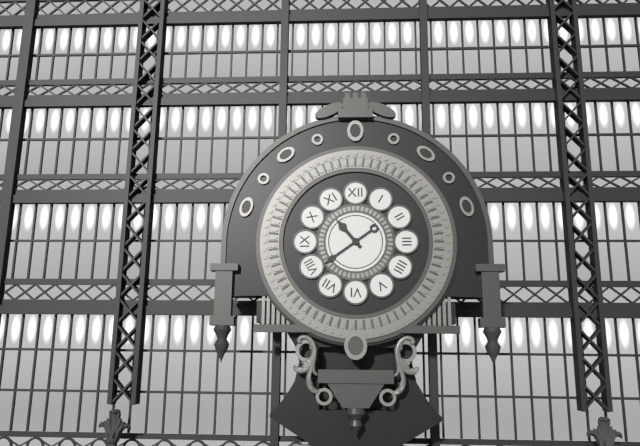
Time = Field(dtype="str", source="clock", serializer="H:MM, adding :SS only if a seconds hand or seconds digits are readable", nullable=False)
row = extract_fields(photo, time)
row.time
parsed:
10:39
